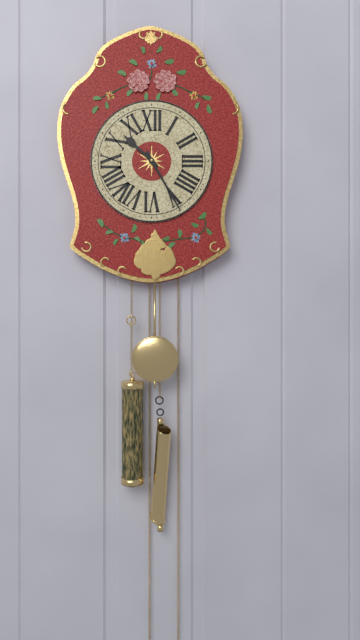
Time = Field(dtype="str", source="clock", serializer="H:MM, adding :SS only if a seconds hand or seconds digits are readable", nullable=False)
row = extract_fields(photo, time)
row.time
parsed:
10:25
